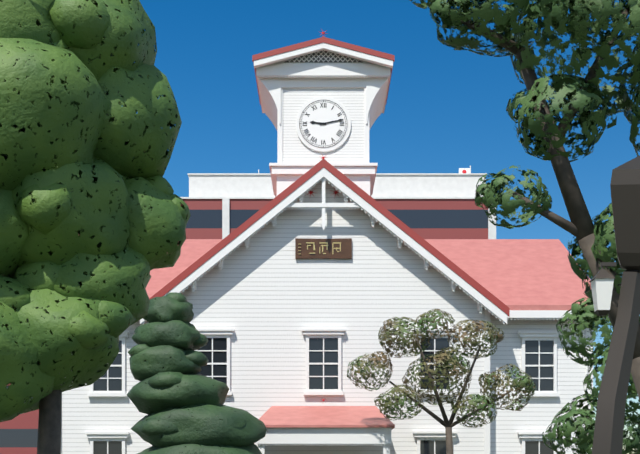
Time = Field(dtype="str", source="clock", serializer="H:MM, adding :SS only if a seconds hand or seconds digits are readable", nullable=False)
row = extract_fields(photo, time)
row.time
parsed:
9:13
